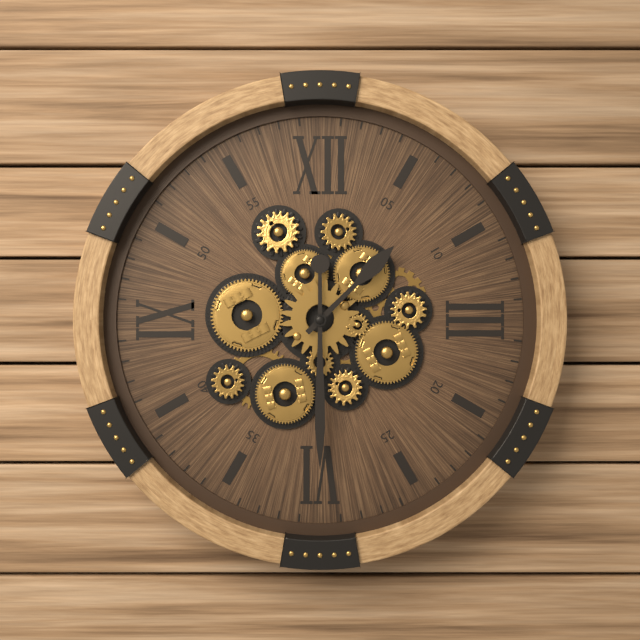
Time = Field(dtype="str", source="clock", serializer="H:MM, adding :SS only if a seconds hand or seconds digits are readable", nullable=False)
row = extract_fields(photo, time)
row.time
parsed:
1:30
